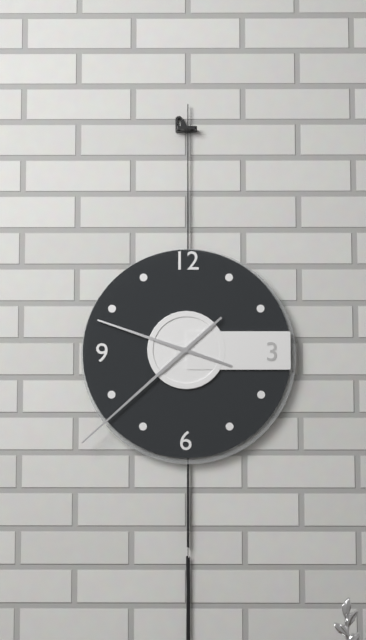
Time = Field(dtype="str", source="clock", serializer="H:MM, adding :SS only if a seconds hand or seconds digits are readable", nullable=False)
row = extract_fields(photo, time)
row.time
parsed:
9:38
